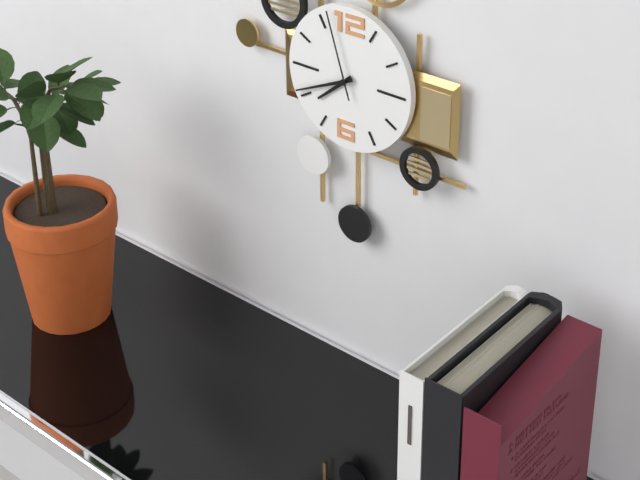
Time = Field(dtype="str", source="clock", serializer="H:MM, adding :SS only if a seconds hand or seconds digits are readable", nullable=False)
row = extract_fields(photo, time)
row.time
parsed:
7:41:57
